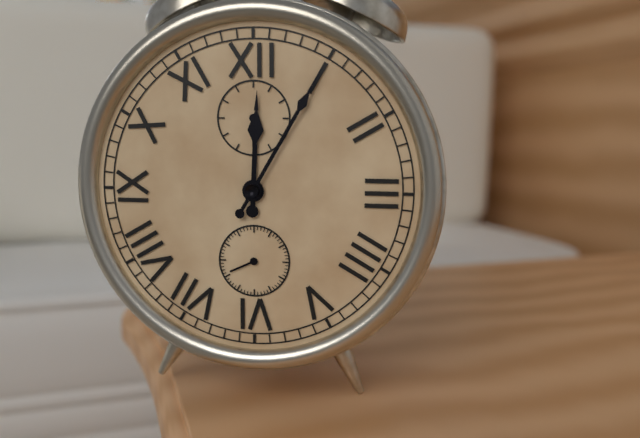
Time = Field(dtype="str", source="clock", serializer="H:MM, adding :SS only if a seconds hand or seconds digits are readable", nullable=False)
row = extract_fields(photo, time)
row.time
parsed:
12:05
